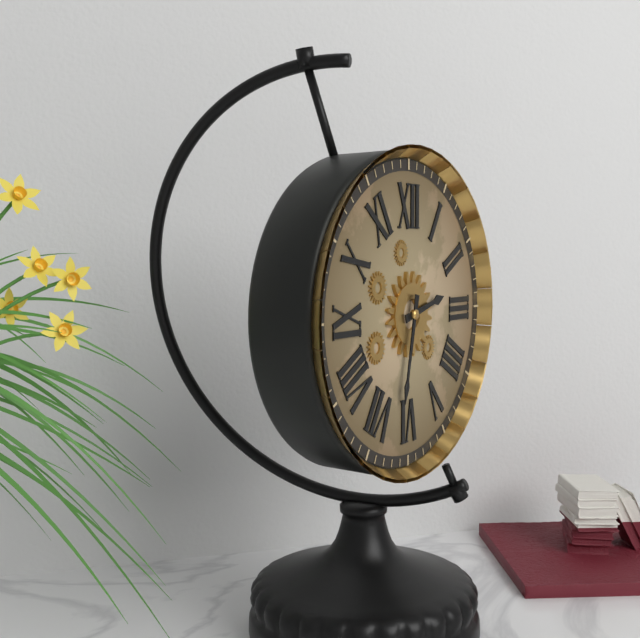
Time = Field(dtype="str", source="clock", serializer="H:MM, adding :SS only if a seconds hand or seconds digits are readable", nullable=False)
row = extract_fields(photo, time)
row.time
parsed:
2:32
